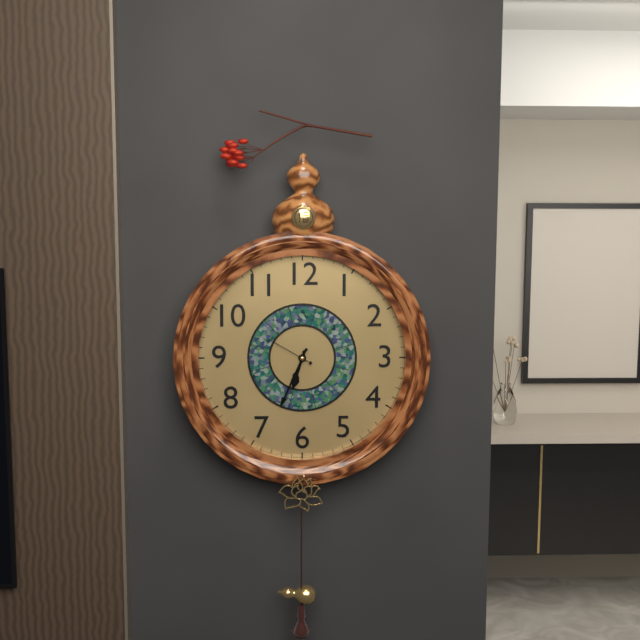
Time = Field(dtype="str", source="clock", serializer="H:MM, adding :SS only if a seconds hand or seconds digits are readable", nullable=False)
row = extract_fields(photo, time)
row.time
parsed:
6:34
